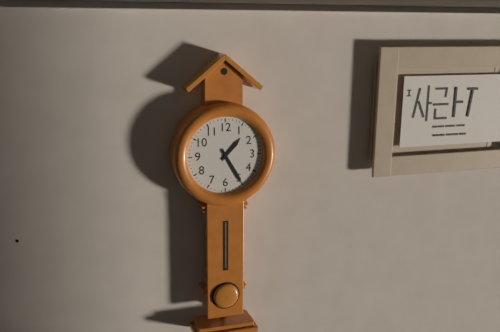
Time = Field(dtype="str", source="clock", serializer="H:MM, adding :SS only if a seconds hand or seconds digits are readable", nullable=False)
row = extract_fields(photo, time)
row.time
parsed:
1:25
